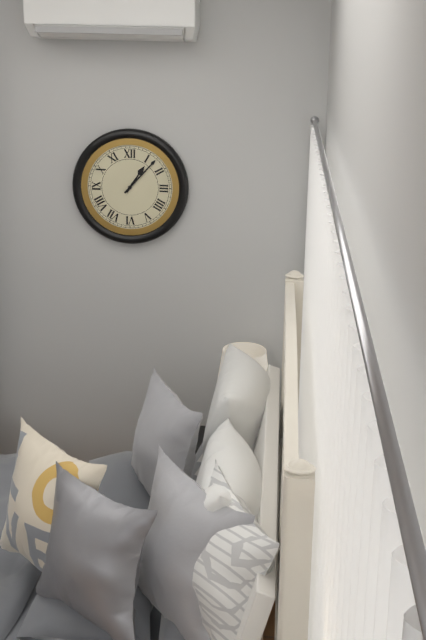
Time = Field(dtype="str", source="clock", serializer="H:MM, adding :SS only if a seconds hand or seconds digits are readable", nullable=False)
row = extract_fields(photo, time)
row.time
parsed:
1:07
